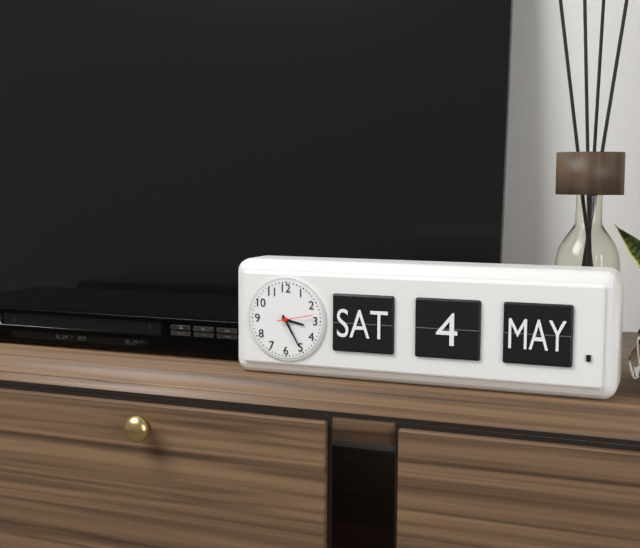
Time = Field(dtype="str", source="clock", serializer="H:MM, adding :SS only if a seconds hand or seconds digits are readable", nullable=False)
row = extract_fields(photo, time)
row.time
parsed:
3:25
